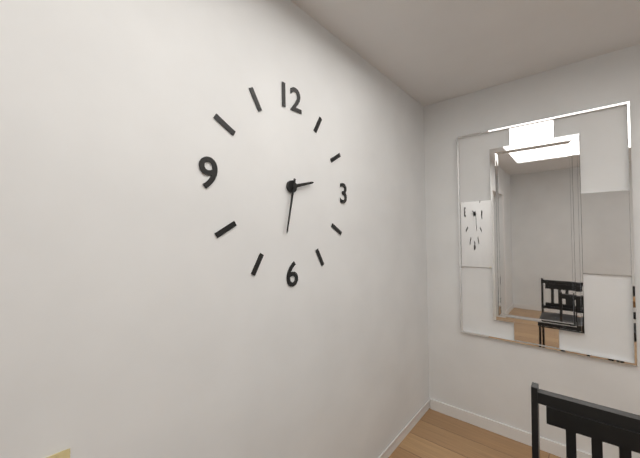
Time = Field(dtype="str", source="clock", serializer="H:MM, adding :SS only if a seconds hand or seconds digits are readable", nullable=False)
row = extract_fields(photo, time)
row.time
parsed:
2:32
